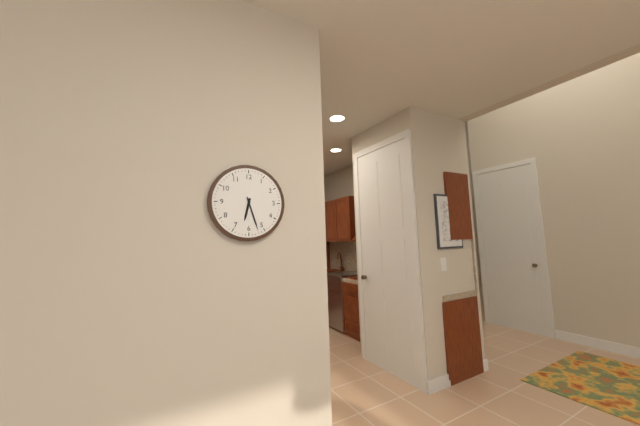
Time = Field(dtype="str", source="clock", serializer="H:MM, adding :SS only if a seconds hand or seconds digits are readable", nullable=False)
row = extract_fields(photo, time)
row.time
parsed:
6:27
